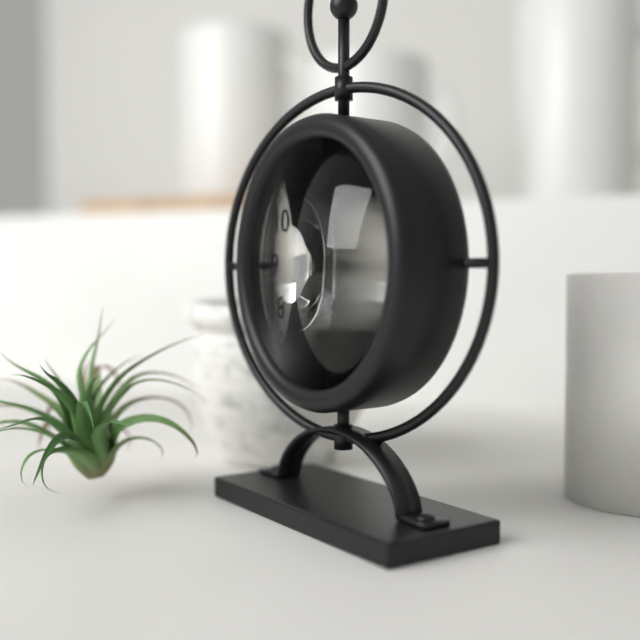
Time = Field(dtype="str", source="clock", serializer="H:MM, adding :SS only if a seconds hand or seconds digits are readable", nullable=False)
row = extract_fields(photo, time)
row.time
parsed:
3:01
